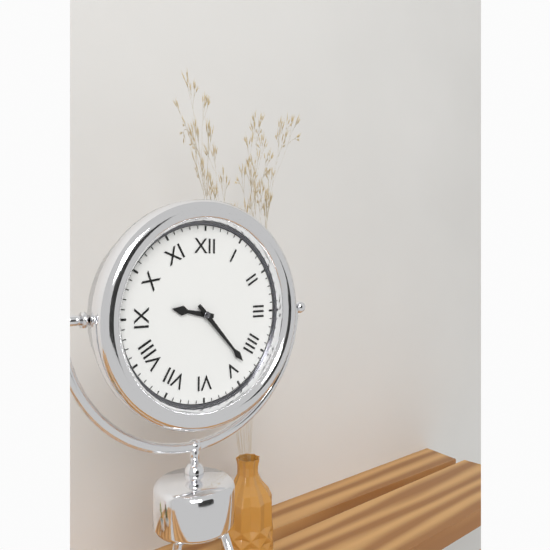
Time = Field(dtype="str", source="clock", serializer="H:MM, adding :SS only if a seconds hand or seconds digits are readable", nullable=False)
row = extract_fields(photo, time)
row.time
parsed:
9:23
